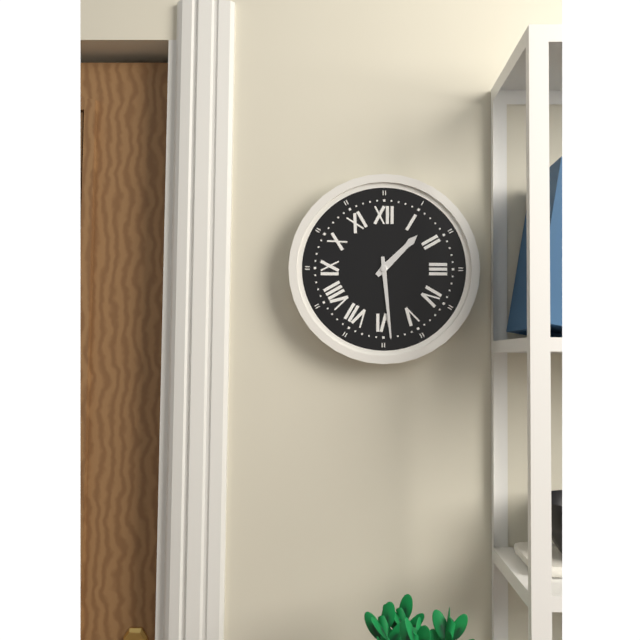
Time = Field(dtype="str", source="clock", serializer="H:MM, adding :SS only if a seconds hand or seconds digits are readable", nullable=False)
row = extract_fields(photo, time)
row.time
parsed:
1:29
